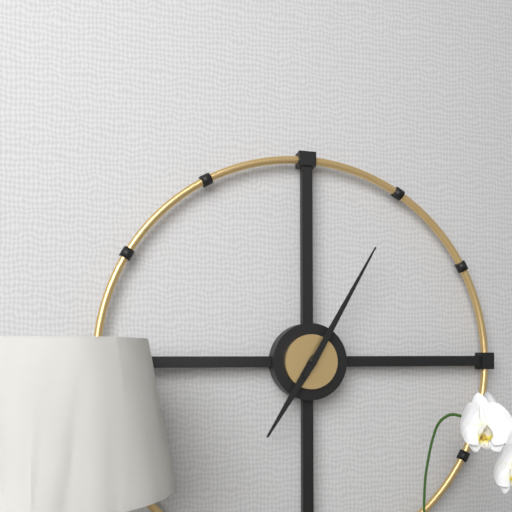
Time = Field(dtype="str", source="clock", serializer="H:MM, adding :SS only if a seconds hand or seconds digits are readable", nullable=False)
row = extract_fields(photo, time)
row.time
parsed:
7:05
